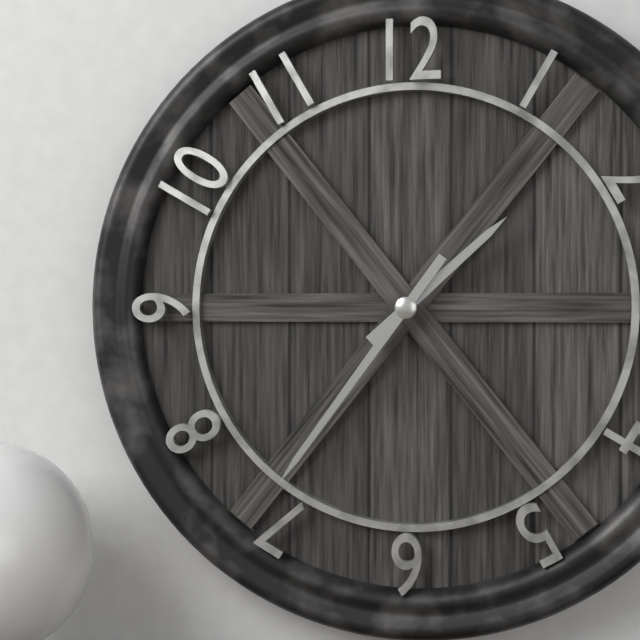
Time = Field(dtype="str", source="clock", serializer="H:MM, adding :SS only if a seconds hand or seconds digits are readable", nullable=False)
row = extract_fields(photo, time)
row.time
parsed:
1:36
